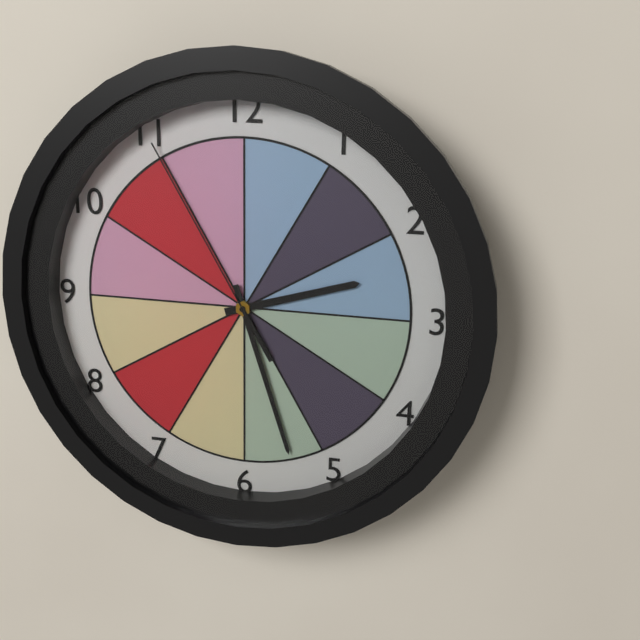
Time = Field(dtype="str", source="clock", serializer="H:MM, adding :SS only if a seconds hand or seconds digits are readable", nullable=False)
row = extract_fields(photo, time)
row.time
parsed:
2:27:55
